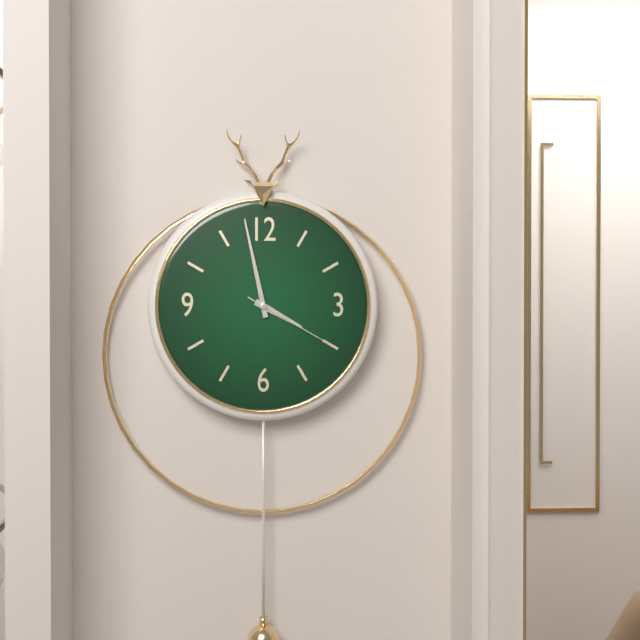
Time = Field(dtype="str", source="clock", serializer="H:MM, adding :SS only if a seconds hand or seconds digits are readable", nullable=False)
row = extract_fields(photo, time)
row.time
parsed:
3:58:20
